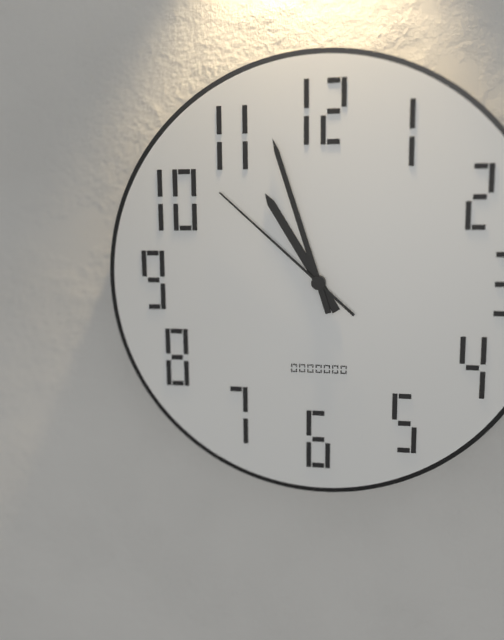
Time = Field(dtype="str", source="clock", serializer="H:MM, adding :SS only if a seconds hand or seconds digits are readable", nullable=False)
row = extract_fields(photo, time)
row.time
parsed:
10:57:52
